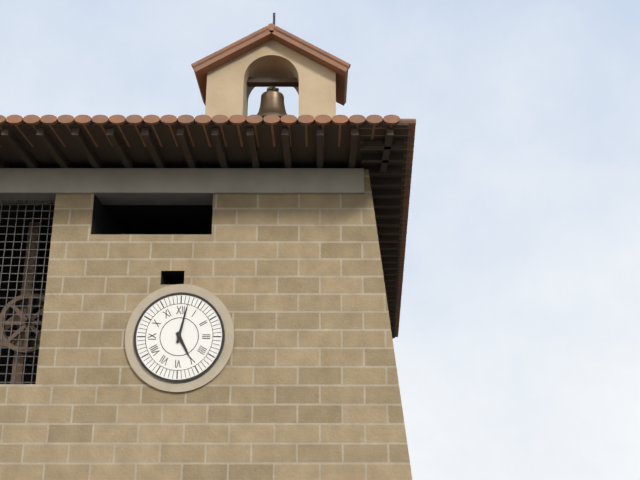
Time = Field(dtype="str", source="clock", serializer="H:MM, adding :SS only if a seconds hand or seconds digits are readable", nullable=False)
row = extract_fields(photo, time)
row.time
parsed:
5:02
